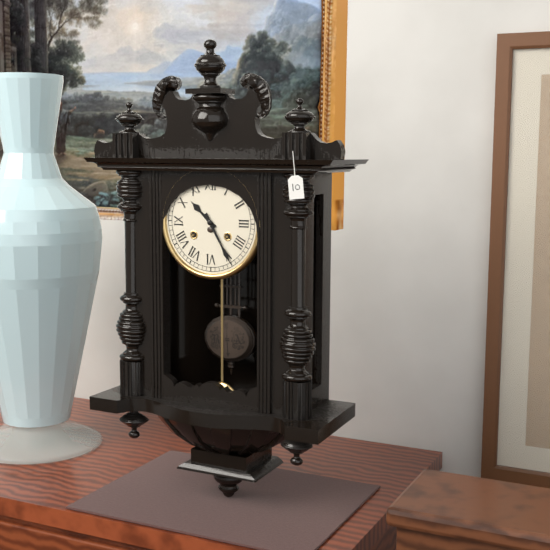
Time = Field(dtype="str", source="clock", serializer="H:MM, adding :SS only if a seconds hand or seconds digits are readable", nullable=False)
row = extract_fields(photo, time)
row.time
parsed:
10:25
